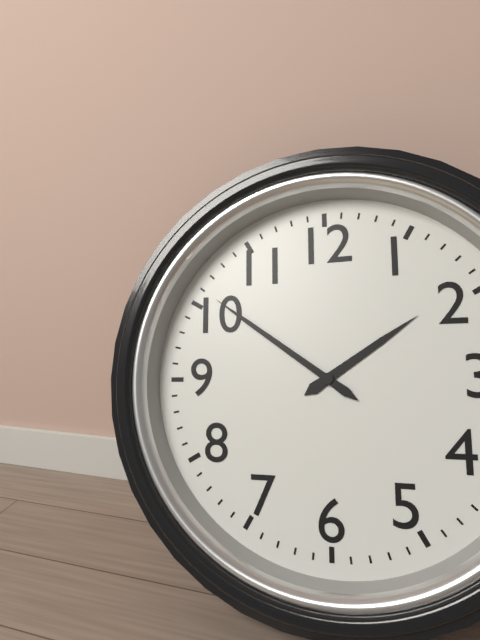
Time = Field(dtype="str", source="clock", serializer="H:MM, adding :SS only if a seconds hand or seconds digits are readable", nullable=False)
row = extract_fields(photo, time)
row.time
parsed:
1:51
